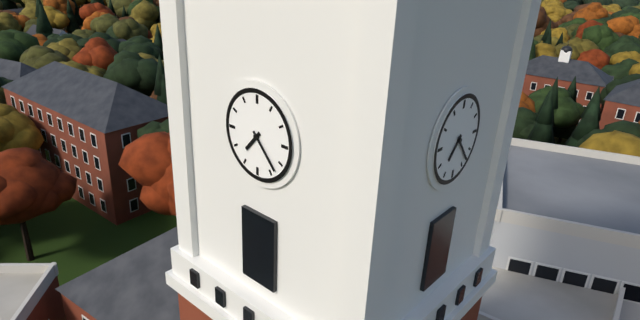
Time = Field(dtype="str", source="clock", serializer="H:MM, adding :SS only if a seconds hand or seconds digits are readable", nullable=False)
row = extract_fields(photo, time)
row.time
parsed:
7:23
